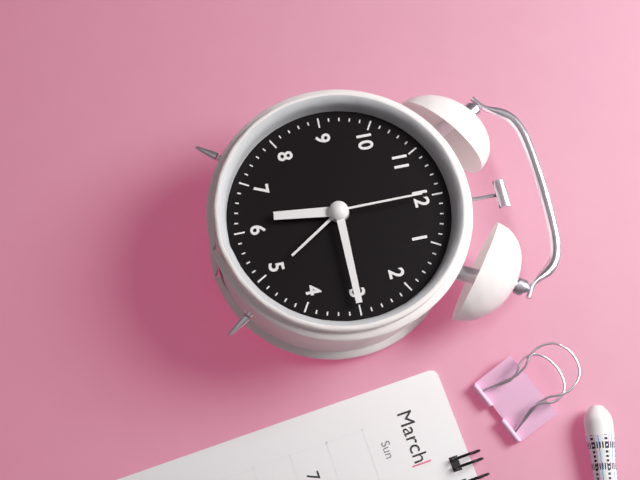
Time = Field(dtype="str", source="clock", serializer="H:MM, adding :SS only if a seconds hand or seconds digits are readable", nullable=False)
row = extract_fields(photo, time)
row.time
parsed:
6:15:00
